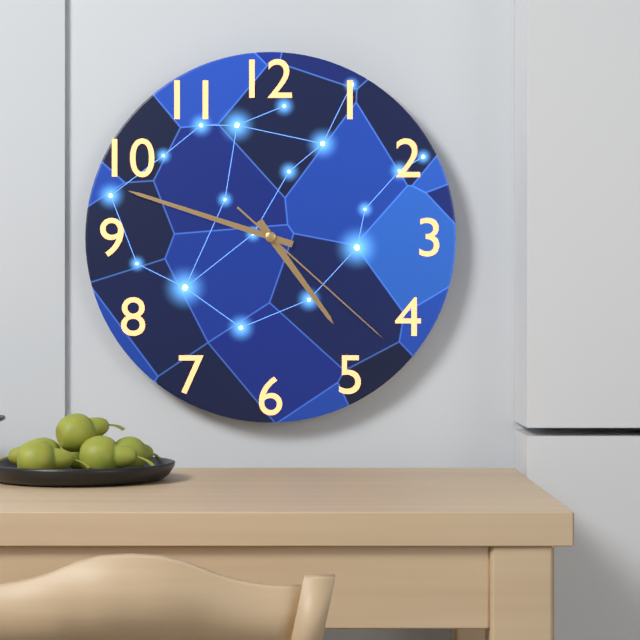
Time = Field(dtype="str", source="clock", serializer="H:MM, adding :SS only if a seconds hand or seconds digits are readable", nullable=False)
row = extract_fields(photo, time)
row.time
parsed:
4:48:22
